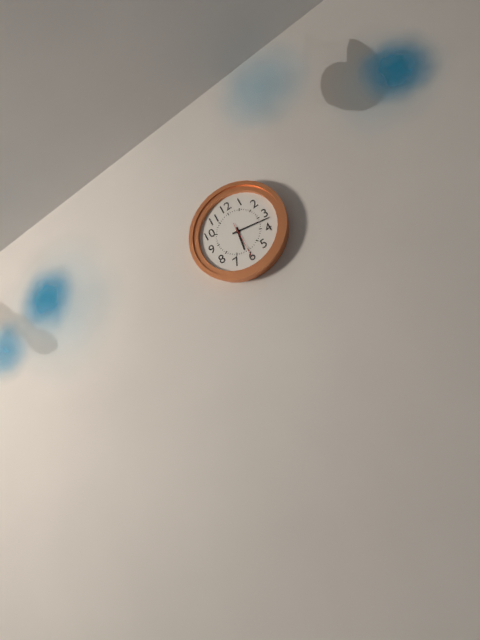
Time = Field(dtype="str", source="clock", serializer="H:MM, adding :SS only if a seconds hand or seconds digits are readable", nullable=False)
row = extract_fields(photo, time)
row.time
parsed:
6:17
